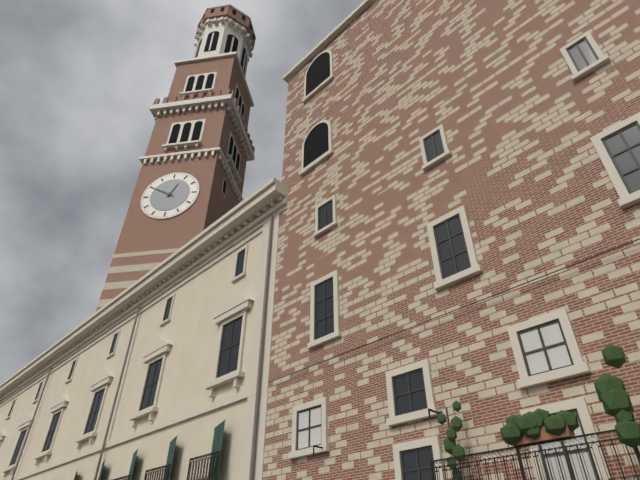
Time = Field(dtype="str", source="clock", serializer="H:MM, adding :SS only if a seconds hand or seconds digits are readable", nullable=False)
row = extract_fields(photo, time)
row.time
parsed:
12:50
